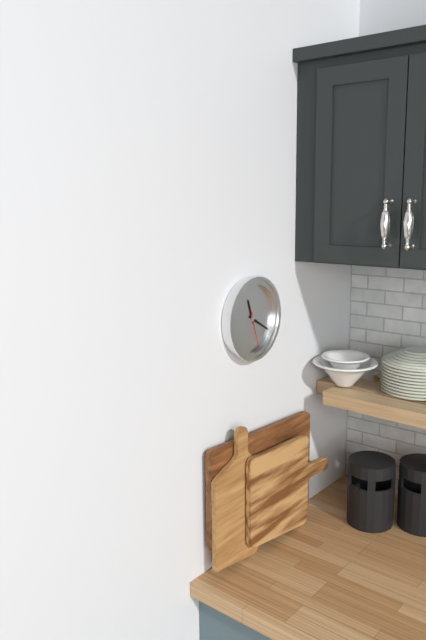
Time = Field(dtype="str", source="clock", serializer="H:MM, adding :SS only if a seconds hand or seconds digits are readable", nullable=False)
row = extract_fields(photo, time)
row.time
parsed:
11:20
